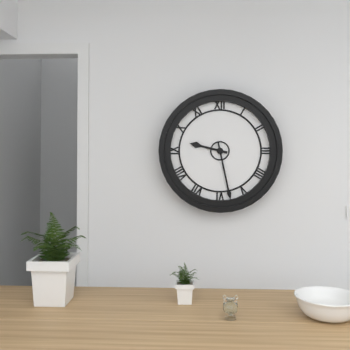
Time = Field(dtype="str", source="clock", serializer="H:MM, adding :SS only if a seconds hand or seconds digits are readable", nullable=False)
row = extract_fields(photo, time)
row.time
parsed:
9:28
